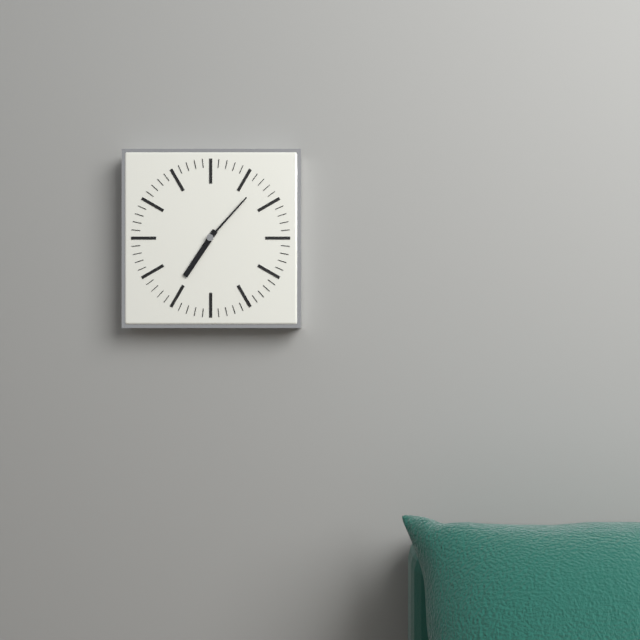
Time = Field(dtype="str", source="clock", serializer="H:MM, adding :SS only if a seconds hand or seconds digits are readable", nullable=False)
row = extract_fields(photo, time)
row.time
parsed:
7:07
